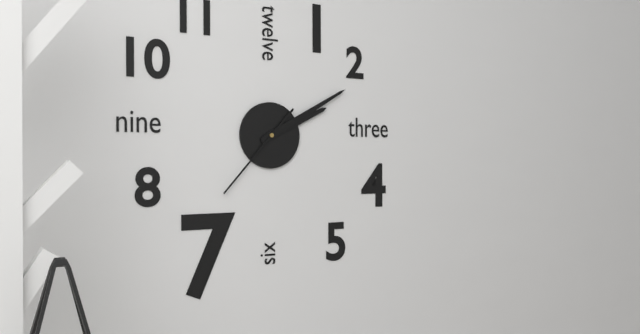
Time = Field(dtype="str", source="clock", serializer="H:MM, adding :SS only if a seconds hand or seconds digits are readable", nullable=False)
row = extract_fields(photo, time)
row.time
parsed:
2:10:37
